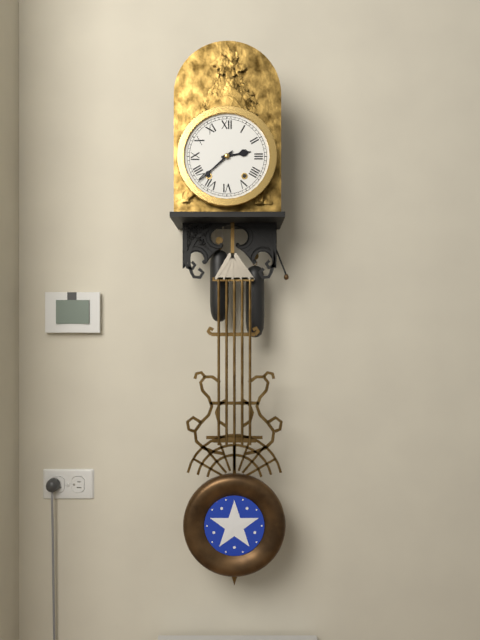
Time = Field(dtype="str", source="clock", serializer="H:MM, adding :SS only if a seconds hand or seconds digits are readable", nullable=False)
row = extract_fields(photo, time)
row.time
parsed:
2:38
